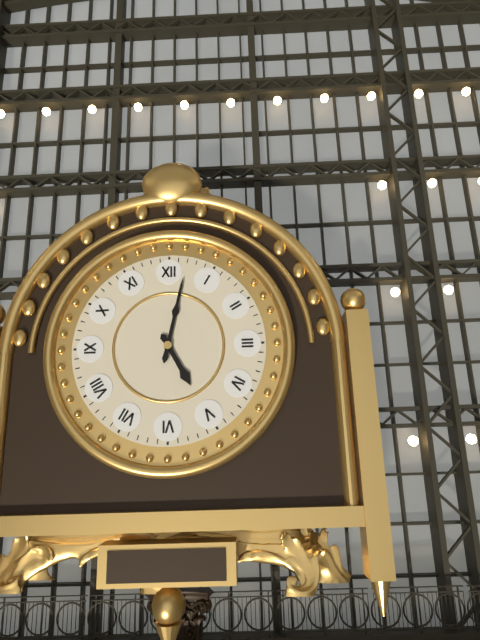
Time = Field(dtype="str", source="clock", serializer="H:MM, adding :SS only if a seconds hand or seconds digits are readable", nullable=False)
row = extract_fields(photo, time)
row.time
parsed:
5:02
